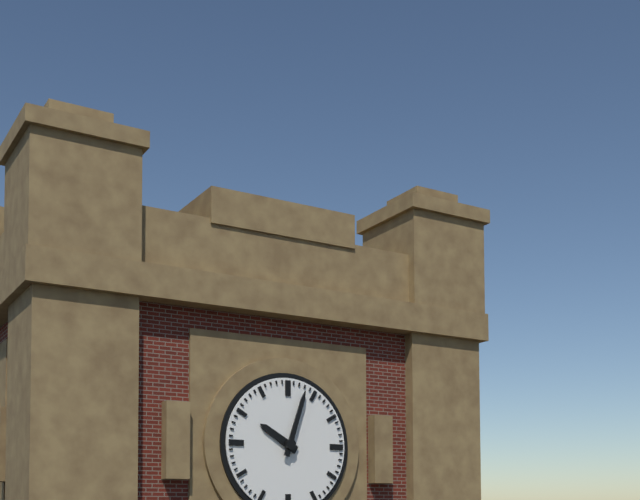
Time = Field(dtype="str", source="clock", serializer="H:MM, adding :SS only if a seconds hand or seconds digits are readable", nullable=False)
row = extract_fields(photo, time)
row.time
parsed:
10:03
